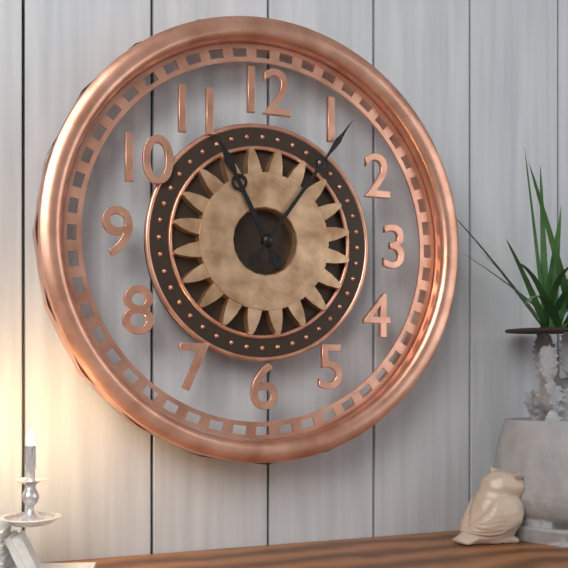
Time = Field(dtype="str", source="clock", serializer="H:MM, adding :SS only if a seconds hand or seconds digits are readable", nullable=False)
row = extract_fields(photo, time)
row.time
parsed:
11:06
